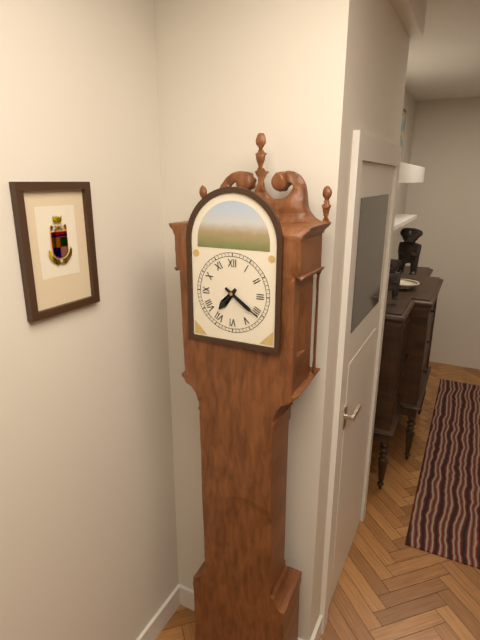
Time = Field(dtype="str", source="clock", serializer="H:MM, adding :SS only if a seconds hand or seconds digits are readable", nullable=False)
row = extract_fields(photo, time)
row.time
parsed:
7:21
